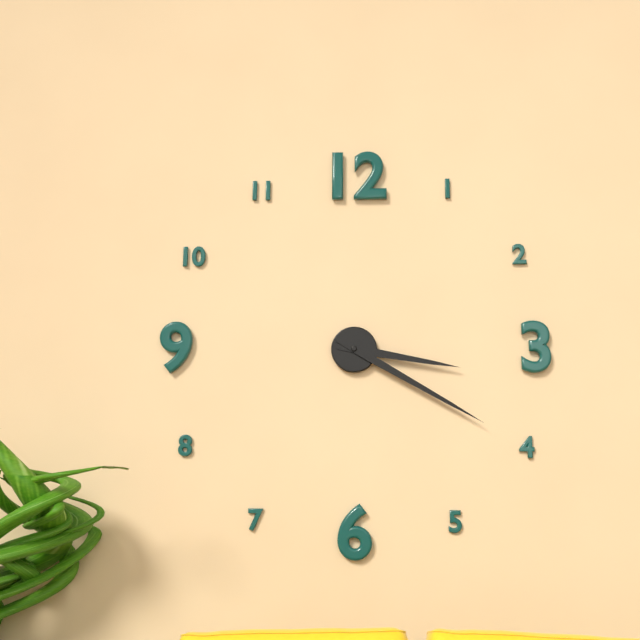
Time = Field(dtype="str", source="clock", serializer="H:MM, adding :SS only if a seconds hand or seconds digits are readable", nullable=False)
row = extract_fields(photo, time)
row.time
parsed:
3:20
